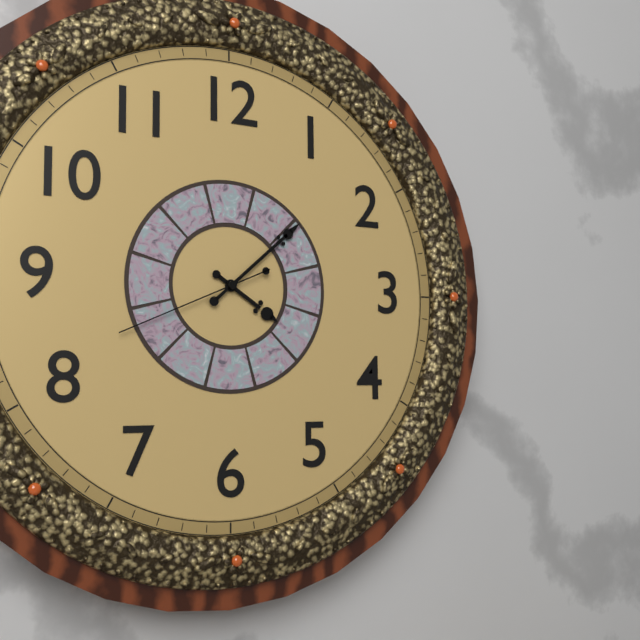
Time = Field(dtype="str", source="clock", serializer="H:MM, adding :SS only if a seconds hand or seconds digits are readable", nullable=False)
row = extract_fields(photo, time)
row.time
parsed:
4:08:41
